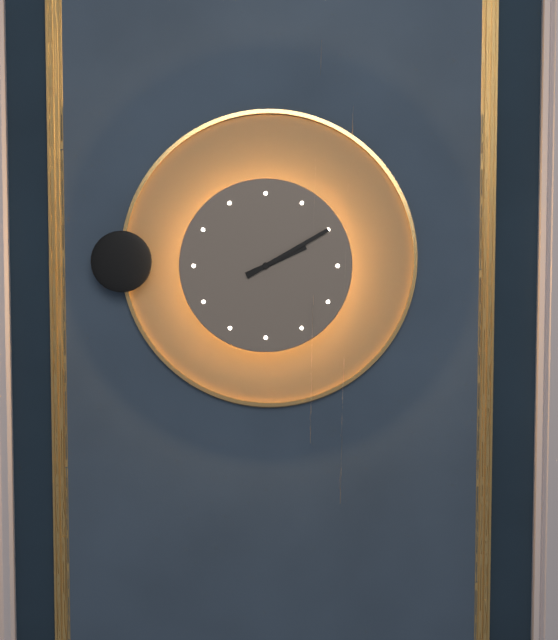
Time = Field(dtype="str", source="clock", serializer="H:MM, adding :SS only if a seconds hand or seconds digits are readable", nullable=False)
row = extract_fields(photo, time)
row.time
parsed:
2:10
